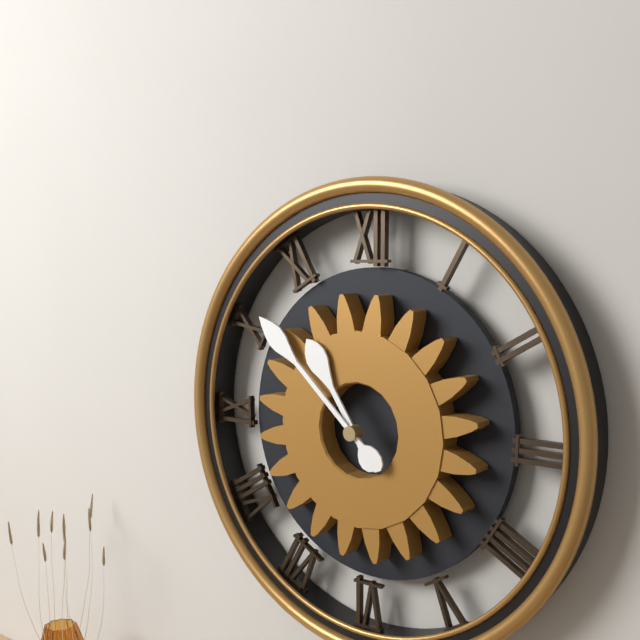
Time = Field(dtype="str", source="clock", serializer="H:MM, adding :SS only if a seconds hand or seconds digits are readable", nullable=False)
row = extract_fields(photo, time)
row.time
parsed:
10:52
